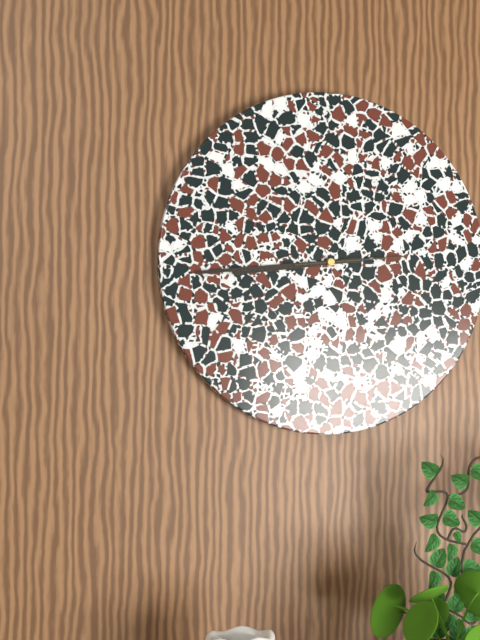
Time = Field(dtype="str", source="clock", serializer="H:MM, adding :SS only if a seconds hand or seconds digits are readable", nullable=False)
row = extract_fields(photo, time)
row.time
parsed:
8:44:14
